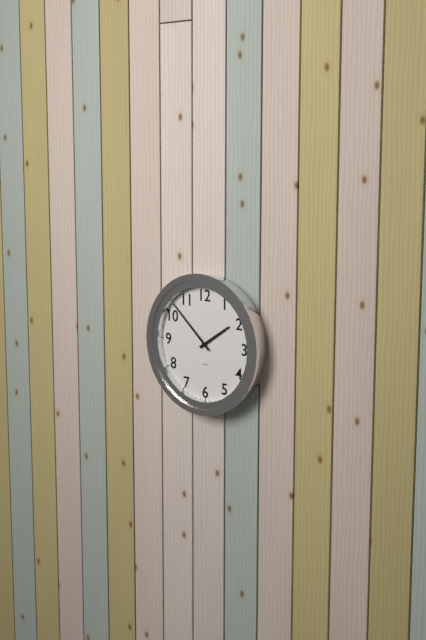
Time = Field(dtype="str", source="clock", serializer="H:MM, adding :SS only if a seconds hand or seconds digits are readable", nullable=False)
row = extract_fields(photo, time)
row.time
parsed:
1:52
